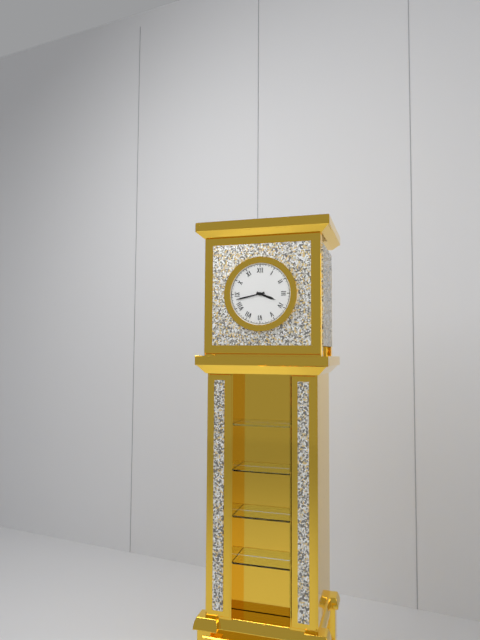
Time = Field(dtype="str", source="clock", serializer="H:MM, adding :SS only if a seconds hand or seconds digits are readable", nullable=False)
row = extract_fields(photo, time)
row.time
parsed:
3:43
